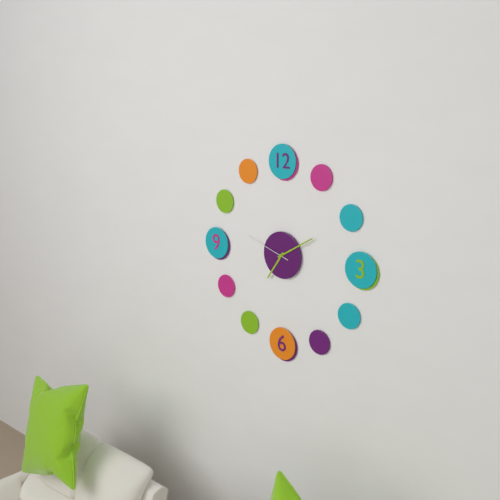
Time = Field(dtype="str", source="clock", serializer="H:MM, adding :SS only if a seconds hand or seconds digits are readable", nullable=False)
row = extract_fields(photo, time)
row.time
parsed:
7:10:48
